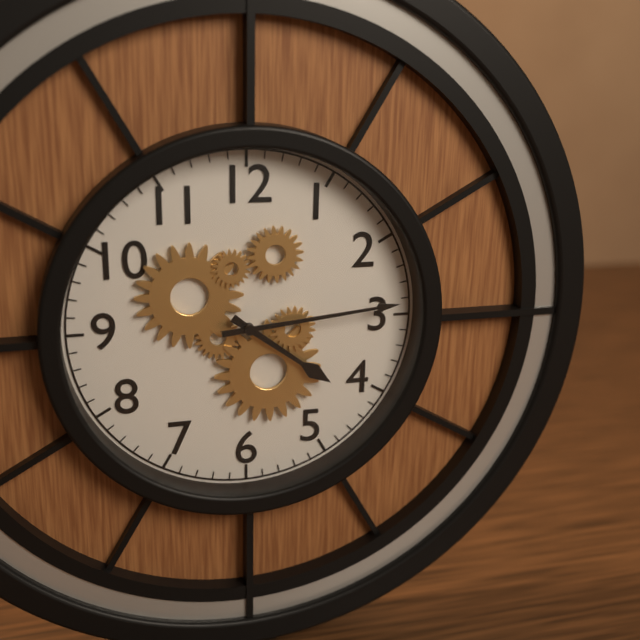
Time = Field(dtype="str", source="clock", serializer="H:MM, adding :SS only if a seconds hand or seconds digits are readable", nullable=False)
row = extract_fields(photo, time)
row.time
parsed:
4:14
